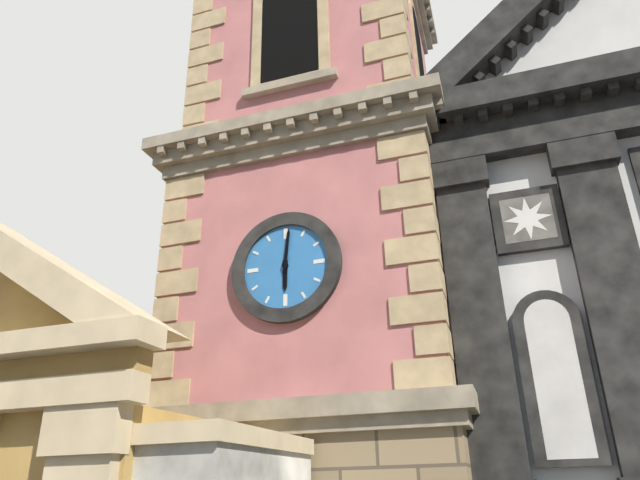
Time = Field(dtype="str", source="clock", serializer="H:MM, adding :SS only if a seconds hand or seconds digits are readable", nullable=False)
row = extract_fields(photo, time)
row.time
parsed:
6:01
